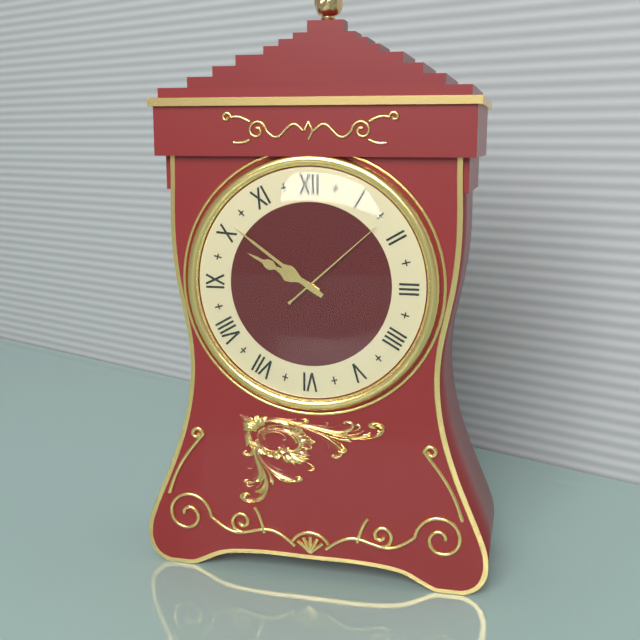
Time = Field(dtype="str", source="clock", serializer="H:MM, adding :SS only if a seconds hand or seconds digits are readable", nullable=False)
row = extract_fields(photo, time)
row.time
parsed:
9:51:08
